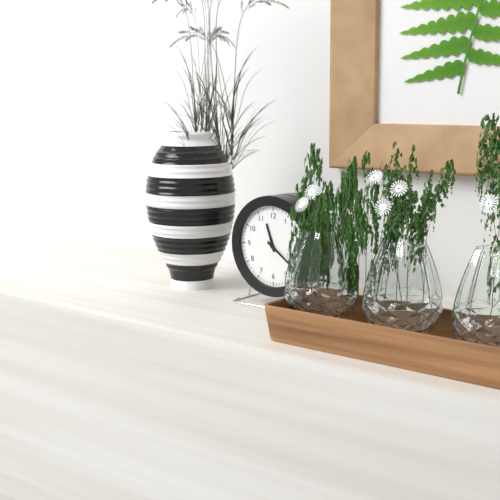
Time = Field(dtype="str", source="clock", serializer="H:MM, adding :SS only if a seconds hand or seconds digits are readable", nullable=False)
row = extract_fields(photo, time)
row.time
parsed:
11:21
